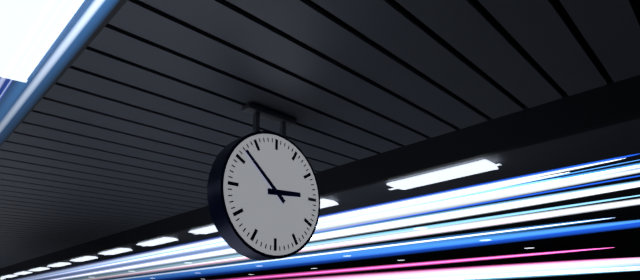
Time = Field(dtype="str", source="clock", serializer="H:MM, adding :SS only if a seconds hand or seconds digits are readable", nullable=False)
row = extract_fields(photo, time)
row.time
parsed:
2:52
